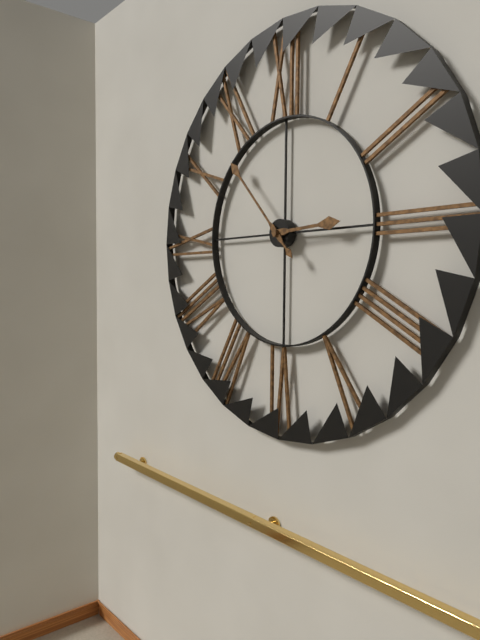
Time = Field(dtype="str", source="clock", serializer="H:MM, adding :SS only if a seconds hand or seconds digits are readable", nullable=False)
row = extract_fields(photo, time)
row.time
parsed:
2:53
